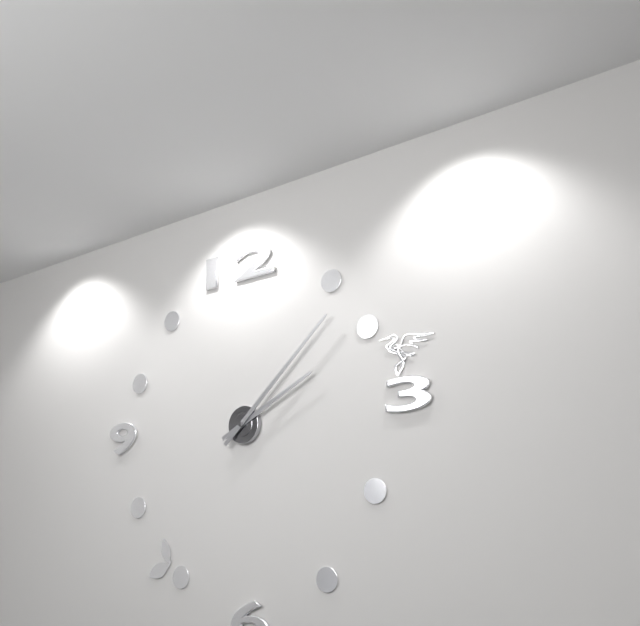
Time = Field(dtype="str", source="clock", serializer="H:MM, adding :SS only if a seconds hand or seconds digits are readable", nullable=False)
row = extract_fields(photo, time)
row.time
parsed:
2:08
